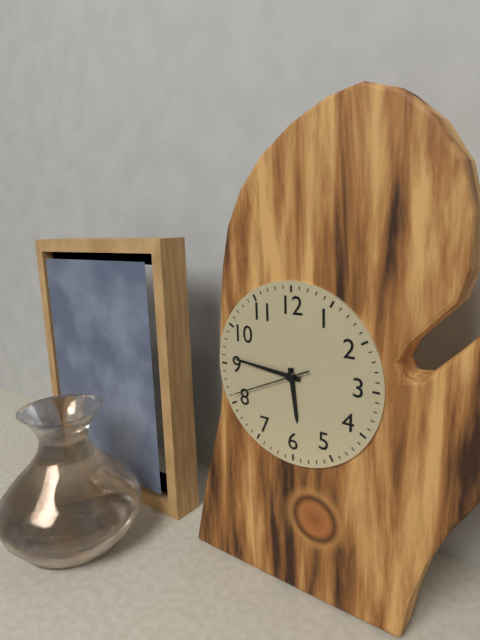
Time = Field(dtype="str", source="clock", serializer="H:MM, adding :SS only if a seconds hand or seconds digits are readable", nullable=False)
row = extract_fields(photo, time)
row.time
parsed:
5:46:41
